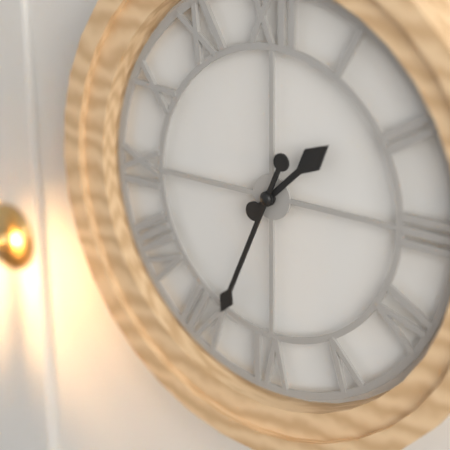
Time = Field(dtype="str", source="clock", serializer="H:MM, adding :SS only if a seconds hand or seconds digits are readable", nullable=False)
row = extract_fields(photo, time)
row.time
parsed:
1:34
